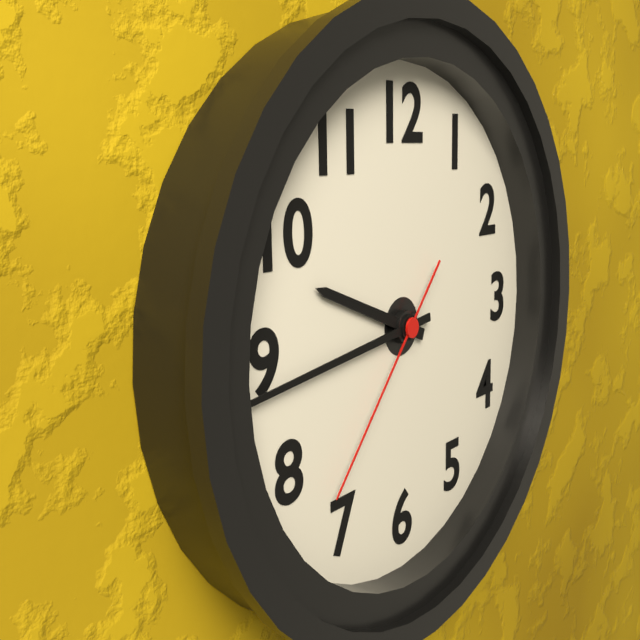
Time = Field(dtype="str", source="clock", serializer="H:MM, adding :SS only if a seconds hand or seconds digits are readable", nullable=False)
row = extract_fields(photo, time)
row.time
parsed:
9:44:37
